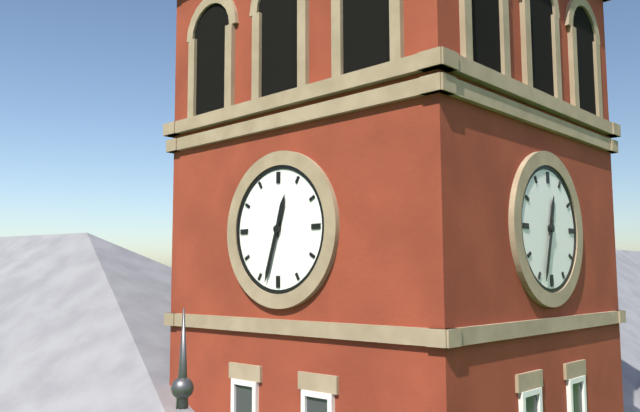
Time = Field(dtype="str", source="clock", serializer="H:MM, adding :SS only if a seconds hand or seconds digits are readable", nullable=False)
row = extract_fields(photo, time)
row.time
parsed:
12:33
